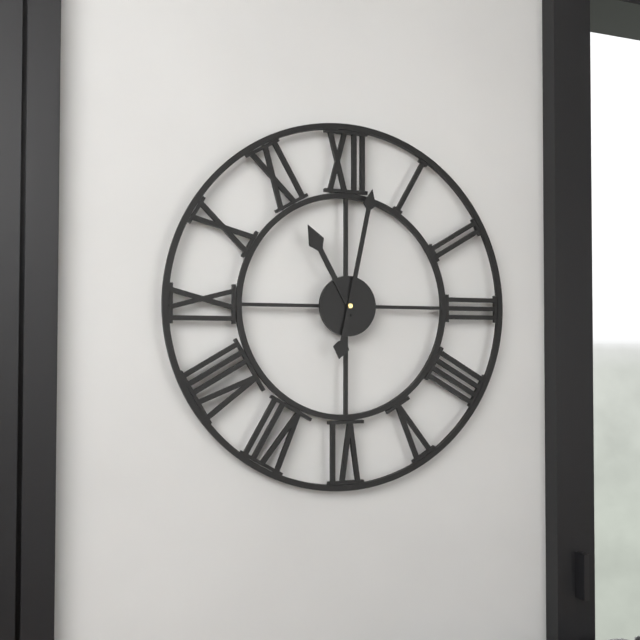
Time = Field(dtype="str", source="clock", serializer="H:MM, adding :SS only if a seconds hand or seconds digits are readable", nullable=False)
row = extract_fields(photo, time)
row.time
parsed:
11:02
